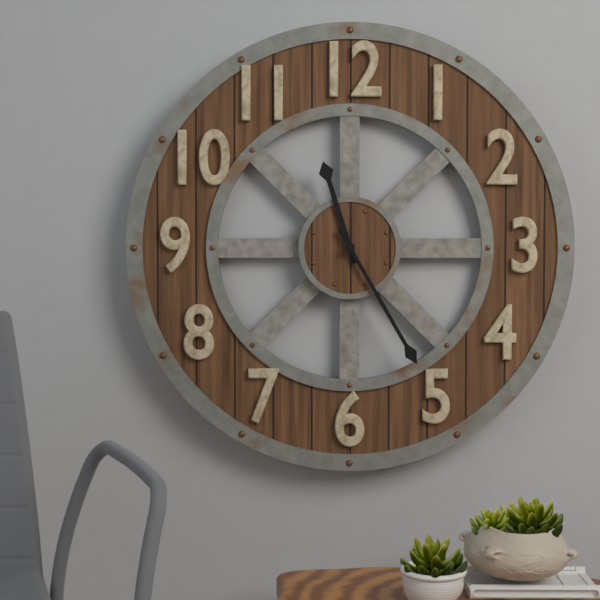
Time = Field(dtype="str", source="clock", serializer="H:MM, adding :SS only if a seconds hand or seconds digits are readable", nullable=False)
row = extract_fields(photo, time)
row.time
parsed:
11:25
